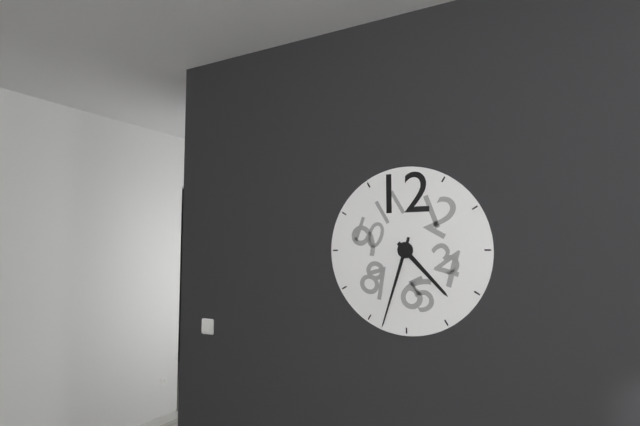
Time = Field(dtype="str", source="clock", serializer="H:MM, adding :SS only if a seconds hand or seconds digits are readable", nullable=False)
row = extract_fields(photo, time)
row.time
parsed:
4:33
